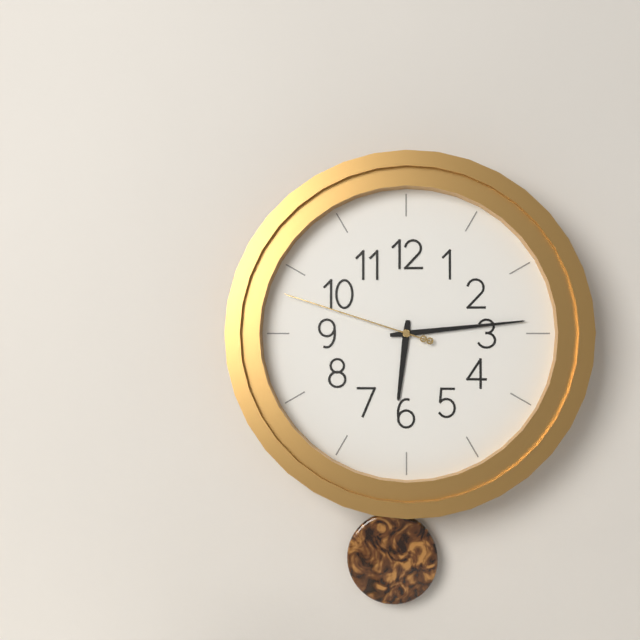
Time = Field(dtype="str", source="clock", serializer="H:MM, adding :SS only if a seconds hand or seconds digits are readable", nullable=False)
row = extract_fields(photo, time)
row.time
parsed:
6:14:48
